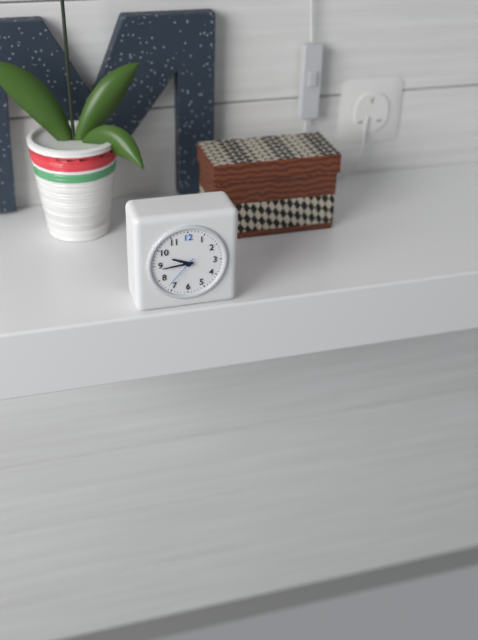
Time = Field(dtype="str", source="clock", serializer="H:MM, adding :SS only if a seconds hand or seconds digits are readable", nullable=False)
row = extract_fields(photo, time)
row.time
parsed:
9:44
